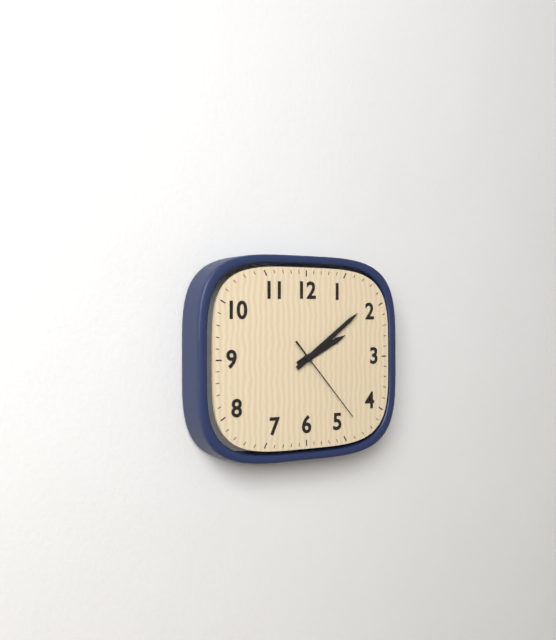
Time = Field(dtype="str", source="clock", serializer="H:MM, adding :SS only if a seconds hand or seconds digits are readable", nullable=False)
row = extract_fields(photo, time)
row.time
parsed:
2:09:23
